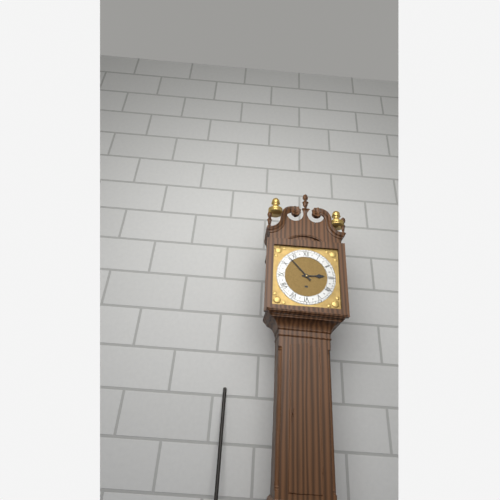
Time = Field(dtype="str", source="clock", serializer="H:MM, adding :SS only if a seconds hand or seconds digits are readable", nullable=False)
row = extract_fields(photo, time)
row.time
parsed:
2:53
